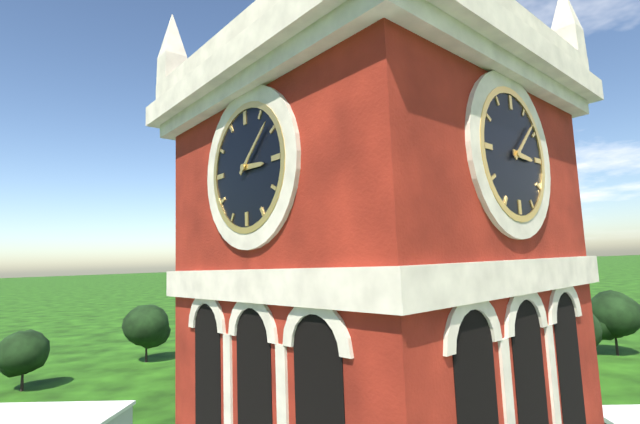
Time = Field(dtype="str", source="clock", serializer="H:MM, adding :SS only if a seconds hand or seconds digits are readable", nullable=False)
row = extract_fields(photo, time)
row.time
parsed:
3:08
